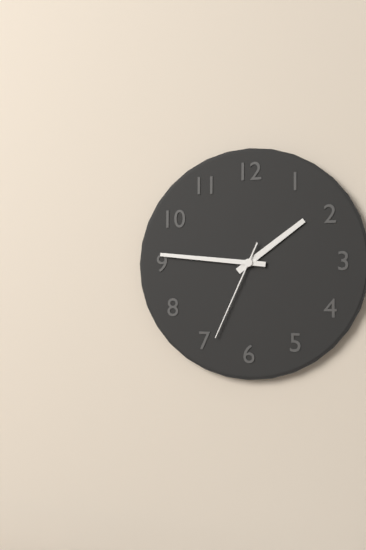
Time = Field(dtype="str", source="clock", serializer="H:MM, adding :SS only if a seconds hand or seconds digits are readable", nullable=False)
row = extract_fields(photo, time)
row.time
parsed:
1:46:34
